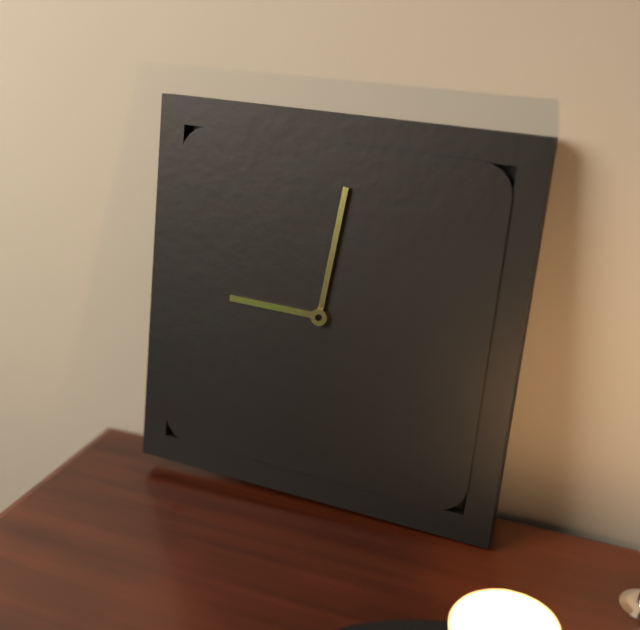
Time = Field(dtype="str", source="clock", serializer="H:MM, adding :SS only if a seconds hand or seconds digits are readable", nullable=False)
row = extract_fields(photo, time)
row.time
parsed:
9:01
